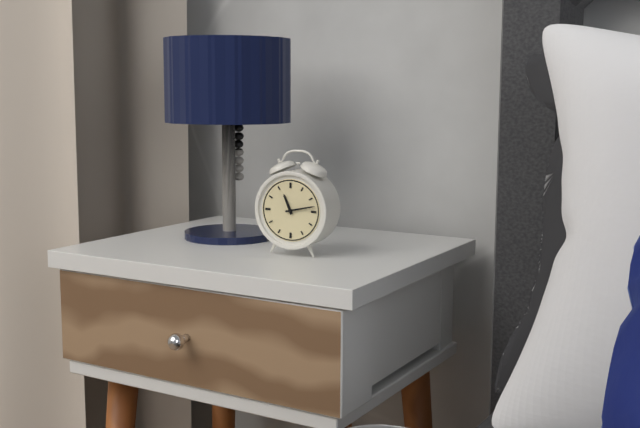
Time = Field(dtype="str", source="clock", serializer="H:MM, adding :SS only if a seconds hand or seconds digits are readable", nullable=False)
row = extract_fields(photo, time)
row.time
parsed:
11:13
